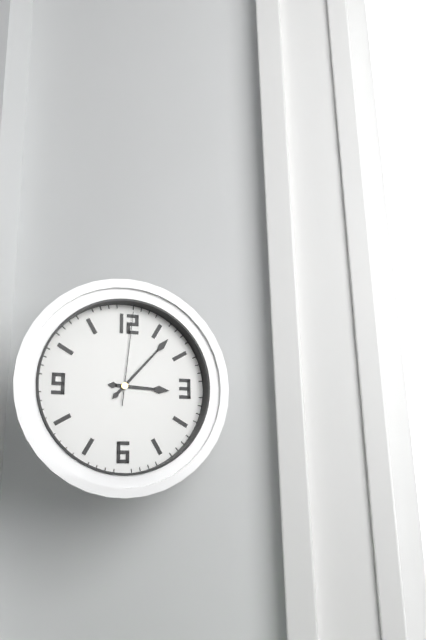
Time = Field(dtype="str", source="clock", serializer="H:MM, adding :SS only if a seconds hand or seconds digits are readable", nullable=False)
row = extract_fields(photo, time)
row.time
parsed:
3:07:01
